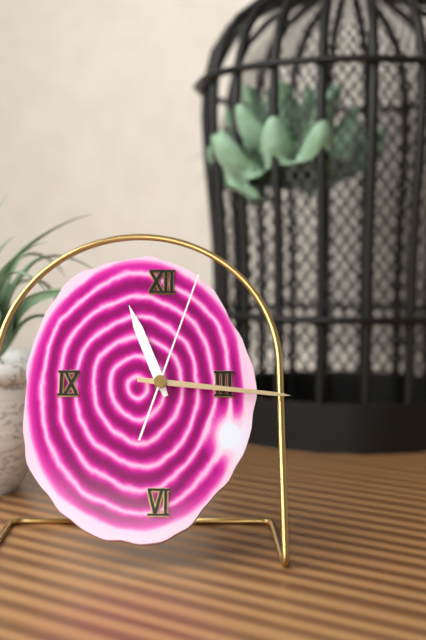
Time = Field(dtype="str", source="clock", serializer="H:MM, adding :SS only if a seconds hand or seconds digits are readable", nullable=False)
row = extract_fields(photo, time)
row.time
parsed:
11:16:03
